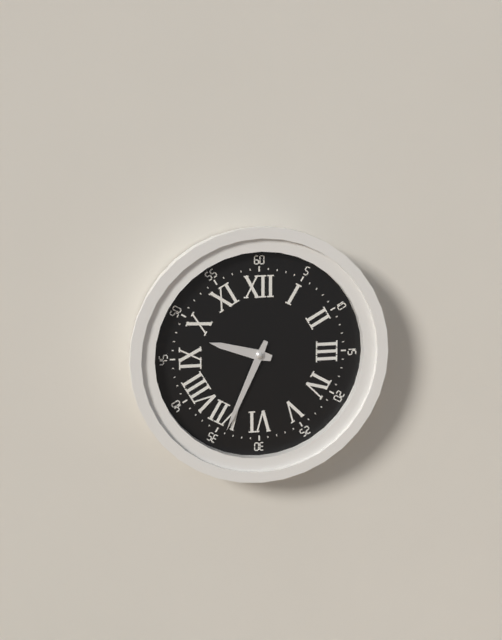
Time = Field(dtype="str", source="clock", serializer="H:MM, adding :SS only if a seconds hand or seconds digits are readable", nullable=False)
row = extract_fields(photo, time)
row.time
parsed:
9:34
